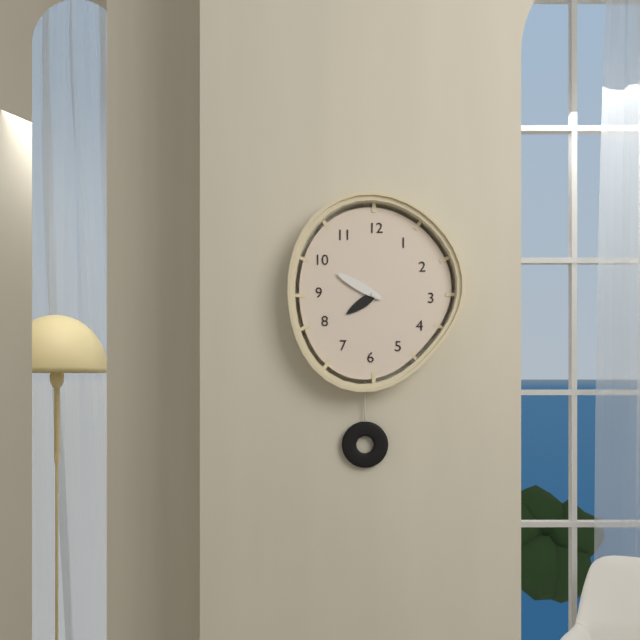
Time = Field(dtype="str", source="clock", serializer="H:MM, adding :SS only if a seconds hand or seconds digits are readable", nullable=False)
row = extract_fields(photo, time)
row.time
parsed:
7:50
